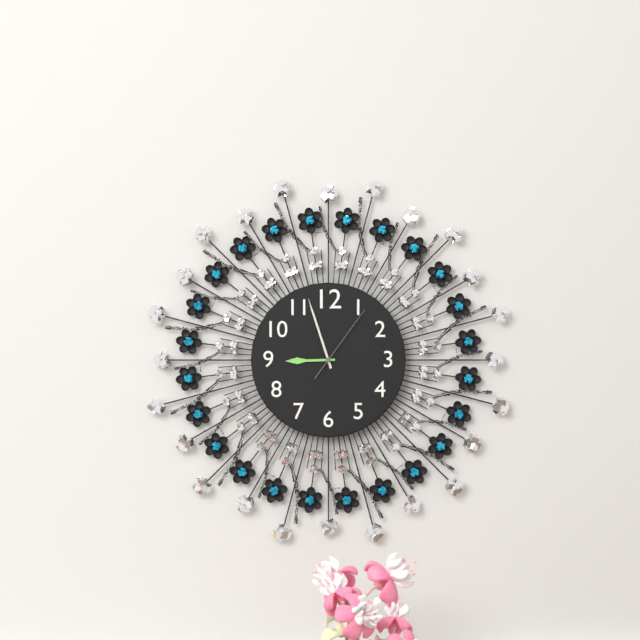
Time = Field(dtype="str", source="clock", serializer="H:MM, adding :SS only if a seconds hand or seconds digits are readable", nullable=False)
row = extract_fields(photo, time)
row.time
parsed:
8:57:06
